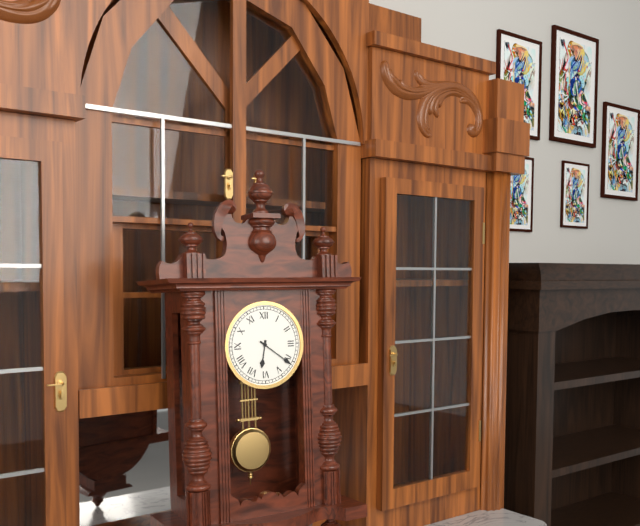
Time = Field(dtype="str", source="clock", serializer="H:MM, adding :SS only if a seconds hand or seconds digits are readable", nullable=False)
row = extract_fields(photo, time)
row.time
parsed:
6:21
